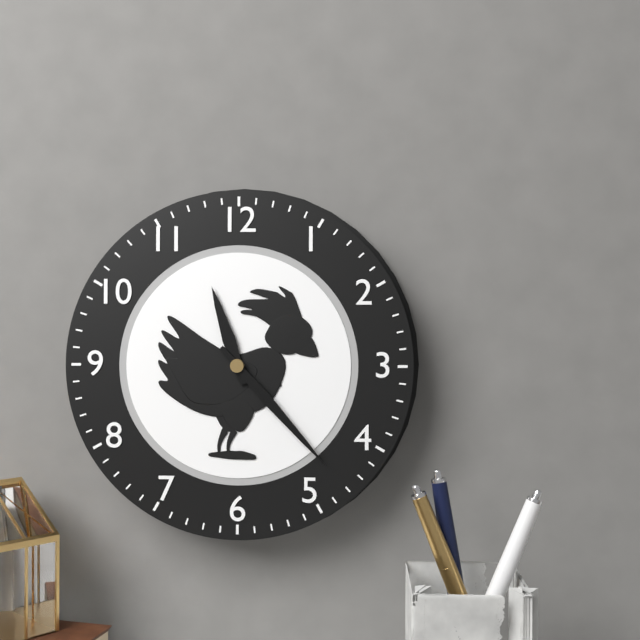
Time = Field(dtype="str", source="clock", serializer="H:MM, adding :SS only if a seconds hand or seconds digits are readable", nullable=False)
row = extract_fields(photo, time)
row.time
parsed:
11:23
